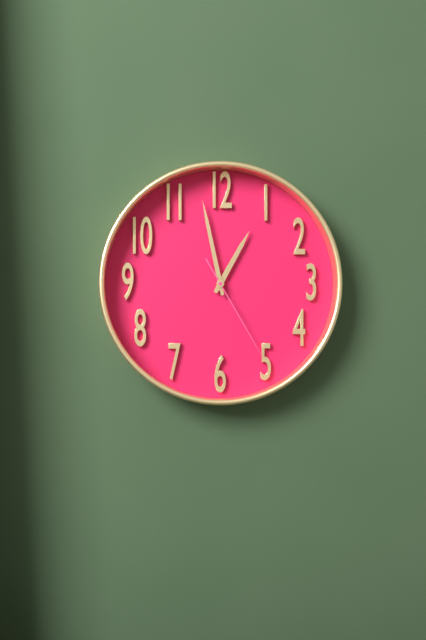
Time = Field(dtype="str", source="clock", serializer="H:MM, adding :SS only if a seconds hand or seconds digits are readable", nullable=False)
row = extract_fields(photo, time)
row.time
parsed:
12:58:25
